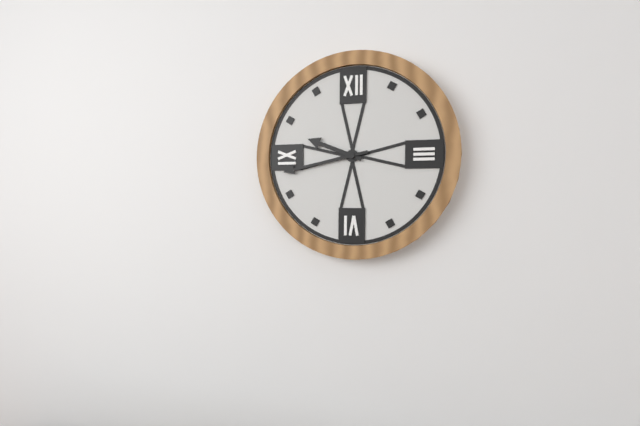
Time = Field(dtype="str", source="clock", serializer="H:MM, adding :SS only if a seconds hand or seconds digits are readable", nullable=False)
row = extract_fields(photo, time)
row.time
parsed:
9:43
